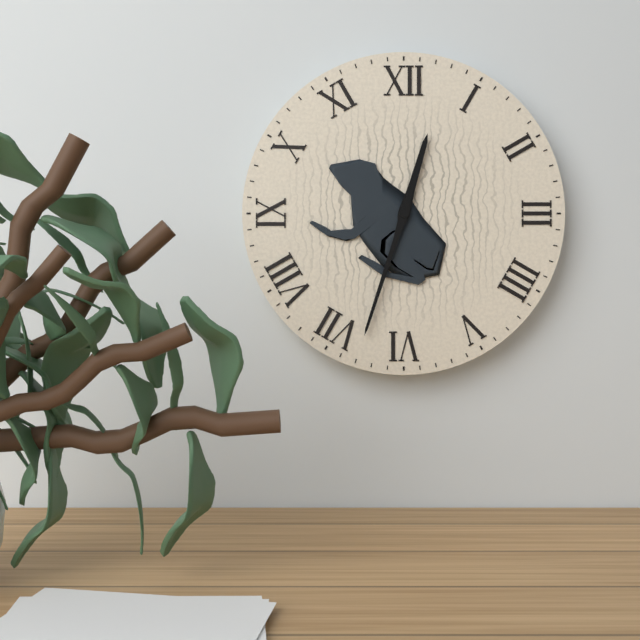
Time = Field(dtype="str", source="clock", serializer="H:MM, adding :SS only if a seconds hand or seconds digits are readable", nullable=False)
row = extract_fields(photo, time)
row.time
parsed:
12:33
